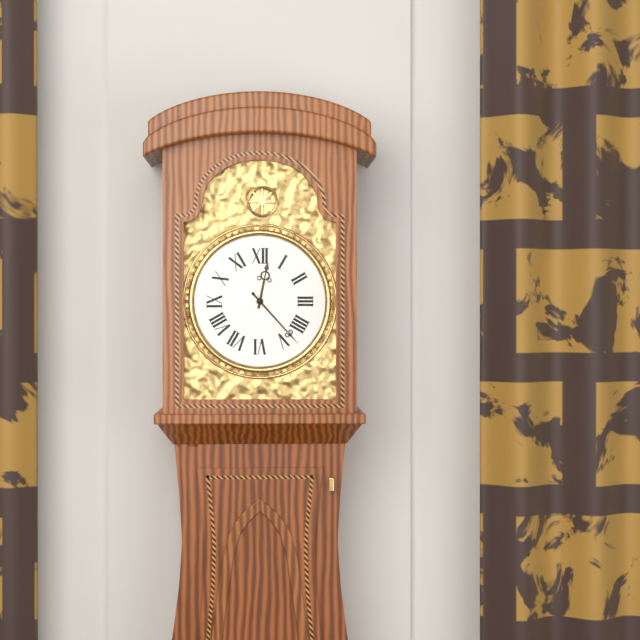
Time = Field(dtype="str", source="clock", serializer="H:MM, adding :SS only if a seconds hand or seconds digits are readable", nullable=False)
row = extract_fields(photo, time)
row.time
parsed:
12:23
